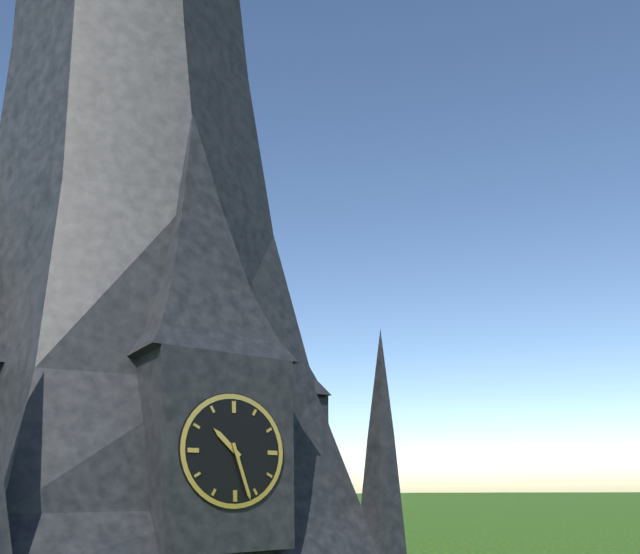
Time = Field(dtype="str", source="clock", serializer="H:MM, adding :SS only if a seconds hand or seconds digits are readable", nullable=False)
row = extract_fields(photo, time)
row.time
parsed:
10:27
